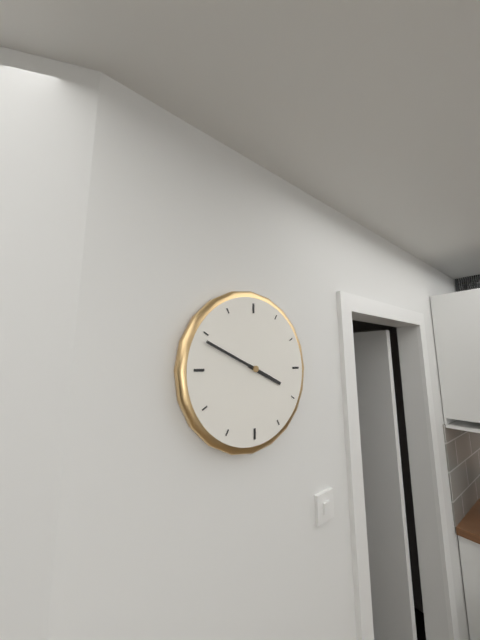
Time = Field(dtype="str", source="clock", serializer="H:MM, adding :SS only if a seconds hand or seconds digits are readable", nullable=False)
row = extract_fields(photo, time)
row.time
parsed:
3:49
